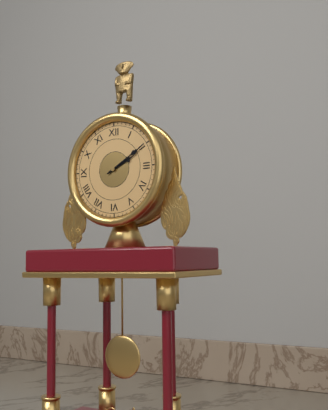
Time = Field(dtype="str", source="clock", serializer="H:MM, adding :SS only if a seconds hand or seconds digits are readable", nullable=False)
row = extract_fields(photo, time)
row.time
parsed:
2:10
